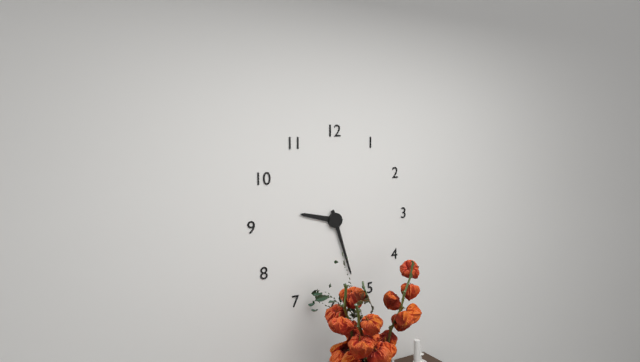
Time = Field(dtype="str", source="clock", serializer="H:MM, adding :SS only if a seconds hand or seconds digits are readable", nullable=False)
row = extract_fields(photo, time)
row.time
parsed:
9:27
